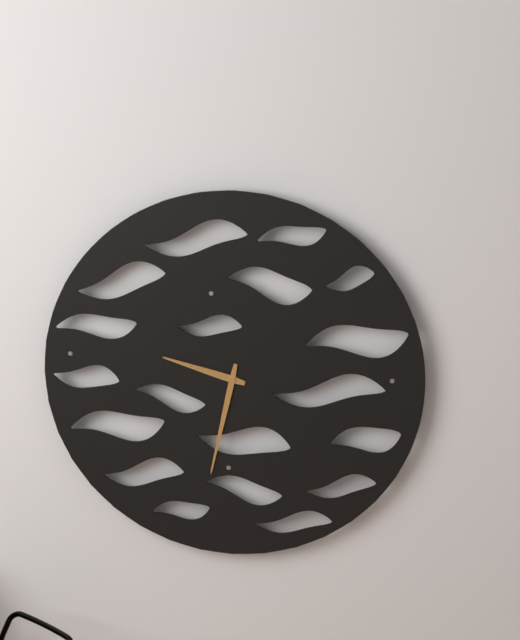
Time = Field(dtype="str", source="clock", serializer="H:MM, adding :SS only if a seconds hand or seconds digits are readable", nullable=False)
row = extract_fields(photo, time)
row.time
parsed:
9:32
